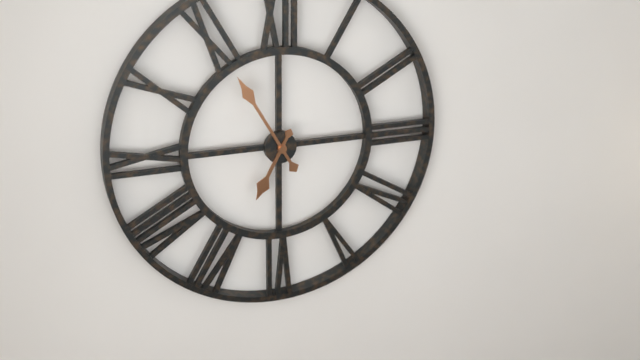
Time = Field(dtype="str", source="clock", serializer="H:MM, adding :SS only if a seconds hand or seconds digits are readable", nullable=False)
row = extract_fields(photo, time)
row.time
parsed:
6:55
